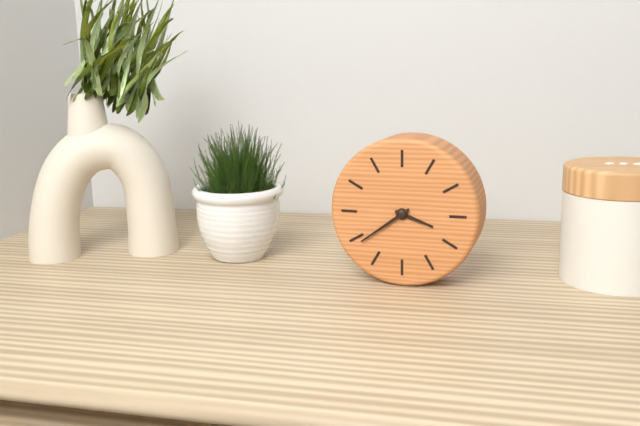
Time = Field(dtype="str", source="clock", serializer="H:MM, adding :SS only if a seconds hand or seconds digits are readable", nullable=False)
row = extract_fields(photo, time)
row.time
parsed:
3:39
